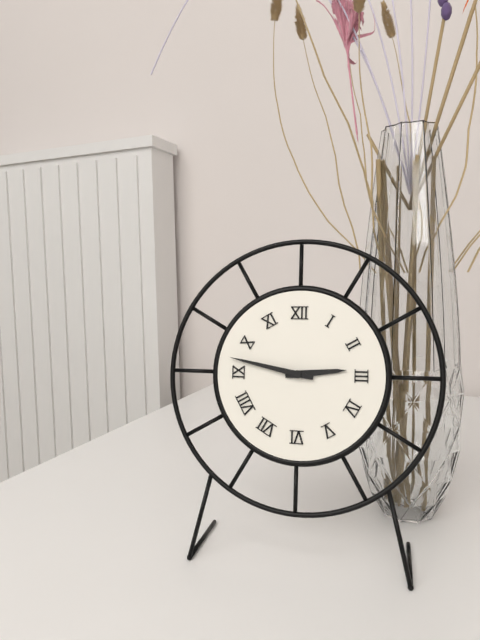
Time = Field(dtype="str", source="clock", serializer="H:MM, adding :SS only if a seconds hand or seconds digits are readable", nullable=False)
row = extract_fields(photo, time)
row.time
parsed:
2:47
